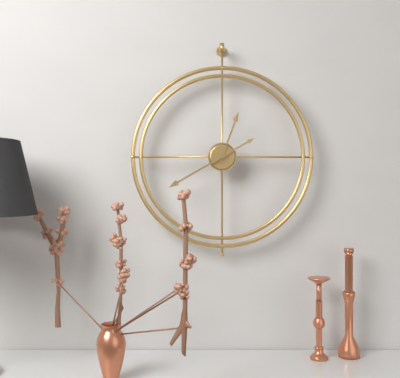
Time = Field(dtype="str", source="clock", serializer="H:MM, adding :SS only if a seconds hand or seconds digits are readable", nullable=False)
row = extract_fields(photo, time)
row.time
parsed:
12:40
